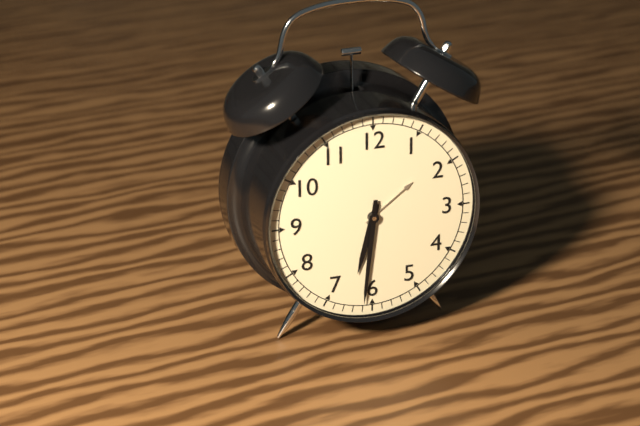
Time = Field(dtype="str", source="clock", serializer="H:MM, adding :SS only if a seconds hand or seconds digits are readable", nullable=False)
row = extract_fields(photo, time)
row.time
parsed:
6:31
